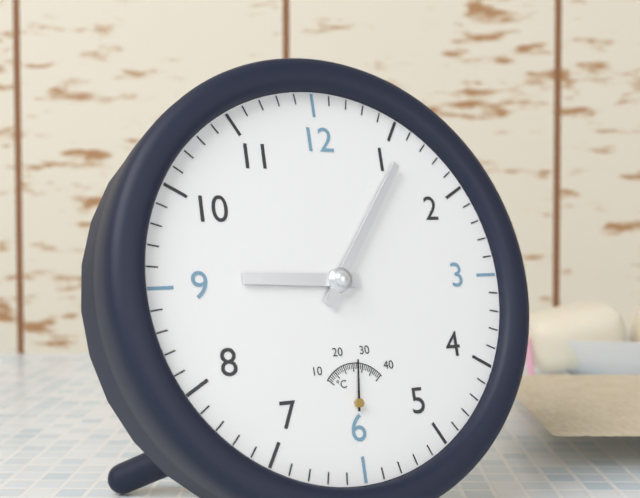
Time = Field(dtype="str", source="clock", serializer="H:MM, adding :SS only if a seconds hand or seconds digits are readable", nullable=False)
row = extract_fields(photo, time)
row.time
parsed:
9:06
